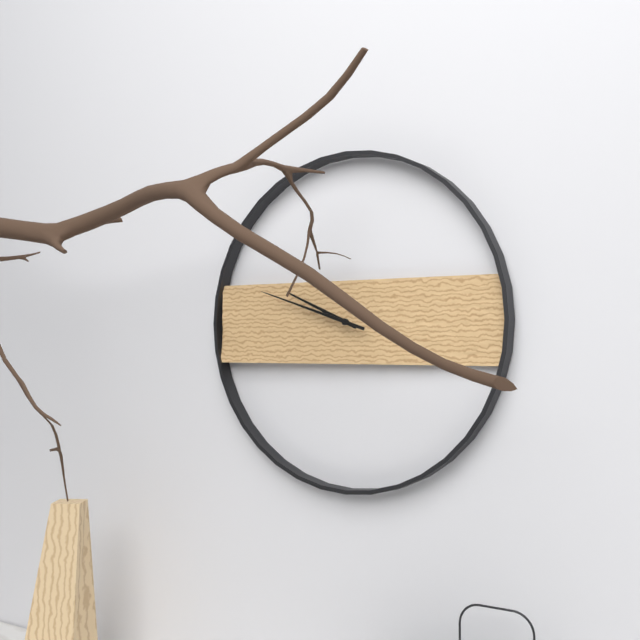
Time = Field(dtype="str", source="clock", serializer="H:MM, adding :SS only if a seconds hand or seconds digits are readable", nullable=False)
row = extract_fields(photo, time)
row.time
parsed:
9:48
